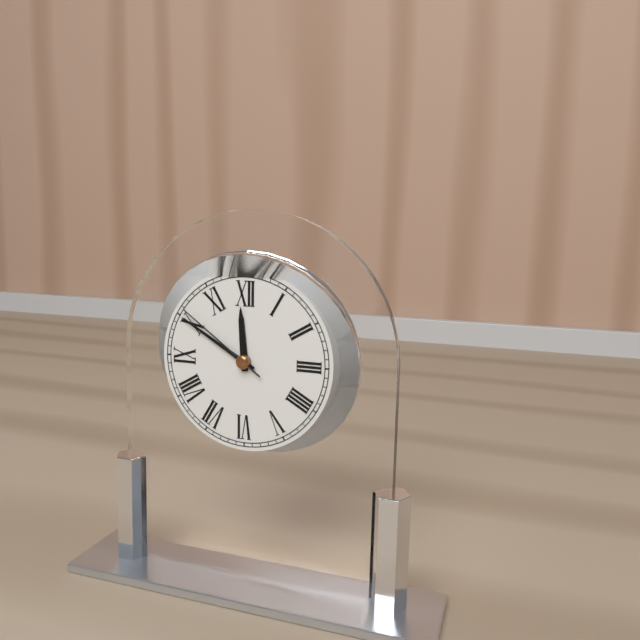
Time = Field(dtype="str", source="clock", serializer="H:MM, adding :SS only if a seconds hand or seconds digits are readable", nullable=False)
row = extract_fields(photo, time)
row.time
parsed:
11:50:51
